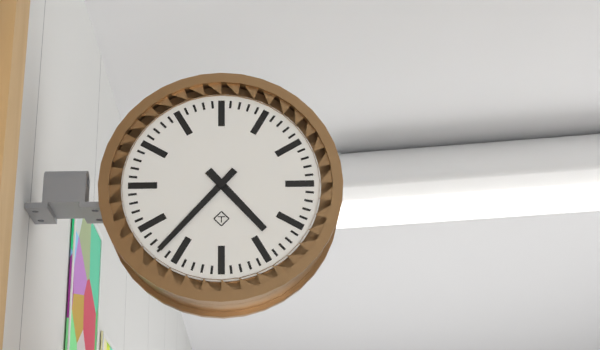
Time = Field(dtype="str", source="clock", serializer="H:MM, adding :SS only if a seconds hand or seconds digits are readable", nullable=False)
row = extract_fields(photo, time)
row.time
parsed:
4:37
